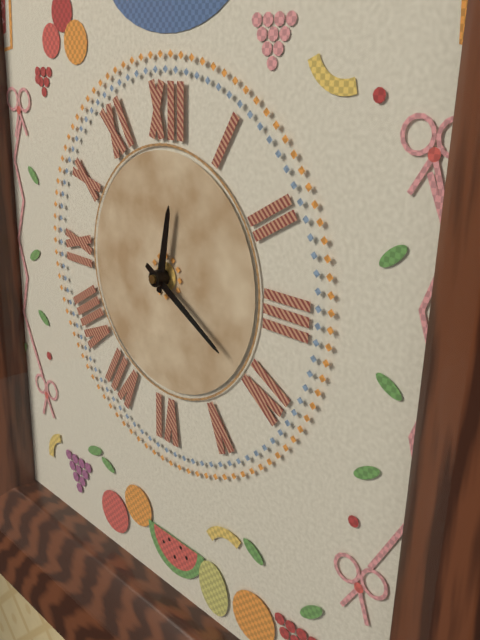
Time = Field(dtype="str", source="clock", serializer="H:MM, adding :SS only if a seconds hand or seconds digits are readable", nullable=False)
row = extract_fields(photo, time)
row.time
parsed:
12:20
